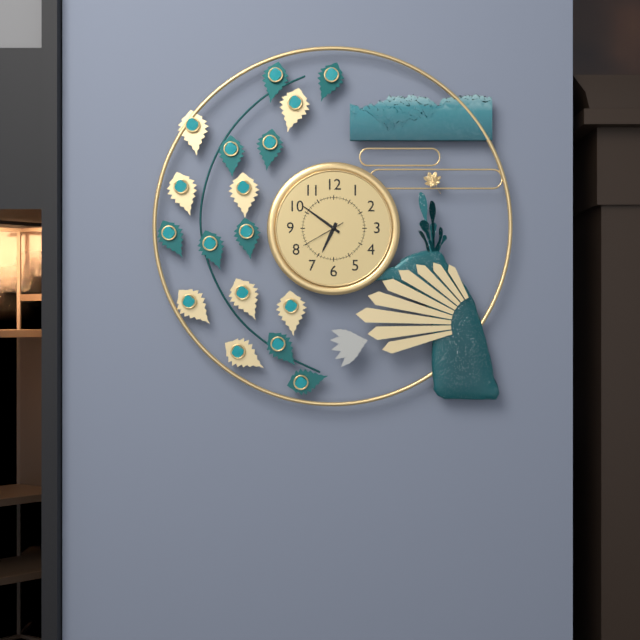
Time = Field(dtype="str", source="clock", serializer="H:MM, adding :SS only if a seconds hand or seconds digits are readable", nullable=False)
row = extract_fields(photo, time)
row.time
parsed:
6:51
